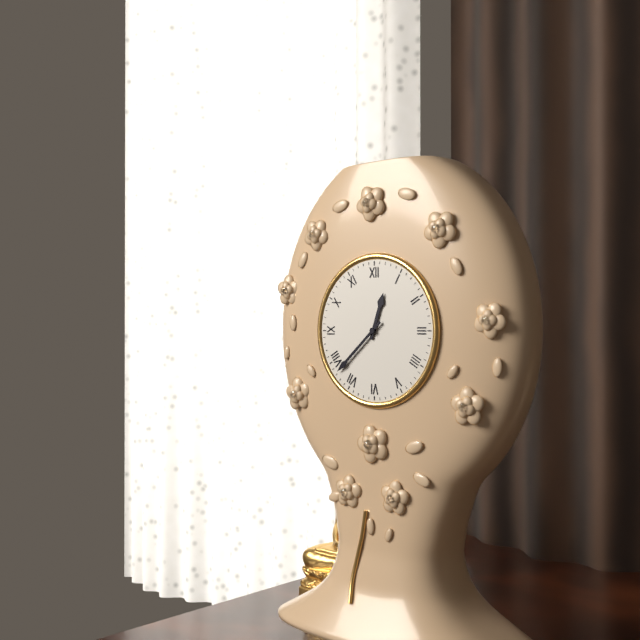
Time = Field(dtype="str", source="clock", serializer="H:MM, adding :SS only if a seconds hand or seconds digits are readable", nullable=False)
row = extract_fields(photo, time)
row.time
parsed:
12:38
